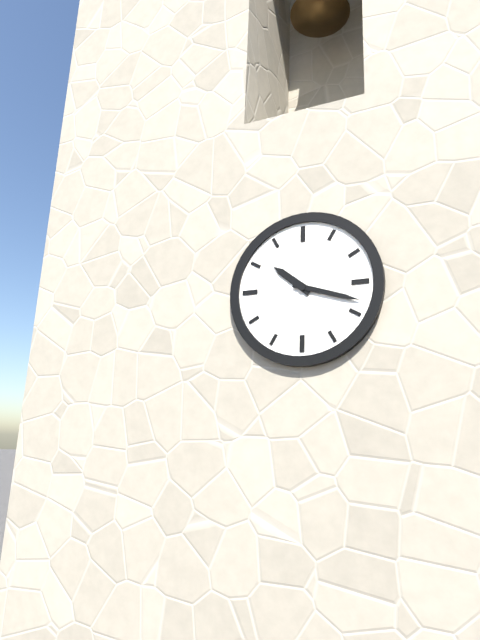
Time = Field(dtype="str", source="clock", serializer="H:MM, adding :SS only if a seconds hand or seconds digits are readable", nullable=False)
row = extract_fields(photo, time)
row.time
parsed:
10:18
